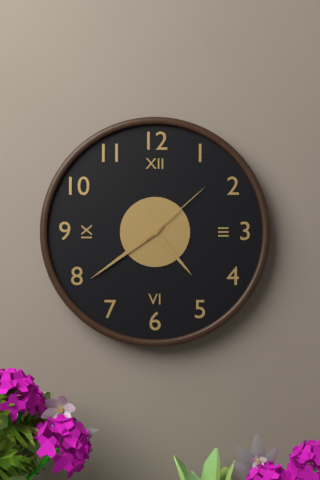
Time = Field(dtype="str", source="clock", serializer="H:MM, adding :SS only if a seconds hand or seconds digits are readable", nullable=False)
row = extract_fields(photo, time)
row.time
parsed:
4:39:08
